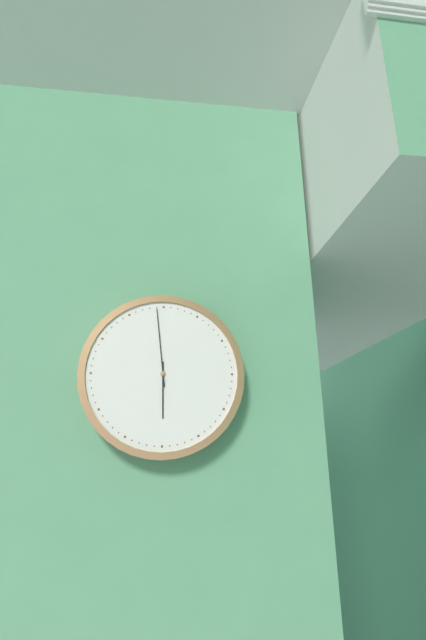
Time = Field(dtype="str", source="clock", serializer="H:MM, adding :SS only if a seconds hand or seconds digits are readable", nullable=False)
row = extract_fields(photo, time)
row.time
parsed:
5:59
